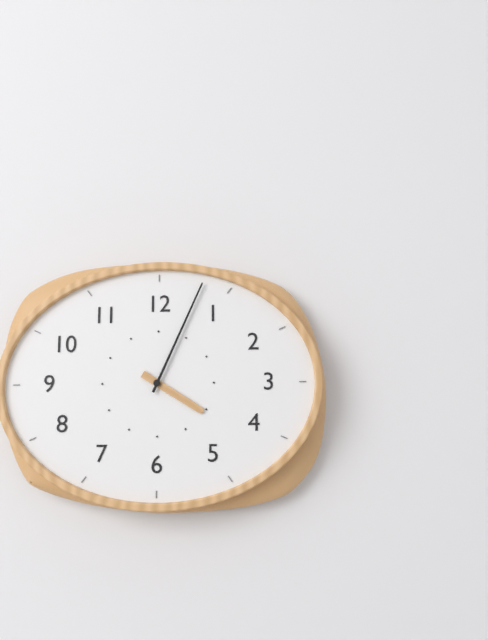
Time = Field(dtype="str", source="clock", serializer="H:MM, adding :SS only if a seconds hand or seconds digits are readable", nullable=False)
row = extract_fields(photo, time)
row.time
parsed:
4:04
